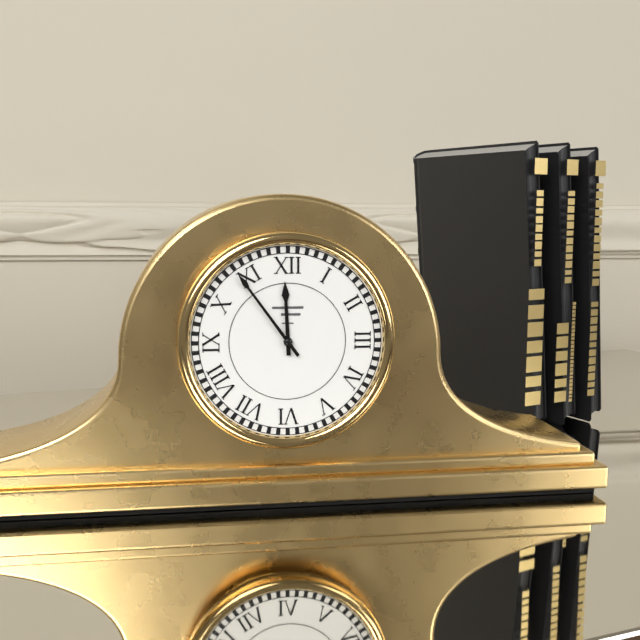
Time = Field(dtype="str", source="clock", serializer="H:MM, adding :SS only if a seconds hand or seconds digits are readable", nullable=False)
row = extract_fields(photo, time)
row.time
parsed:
11:54
